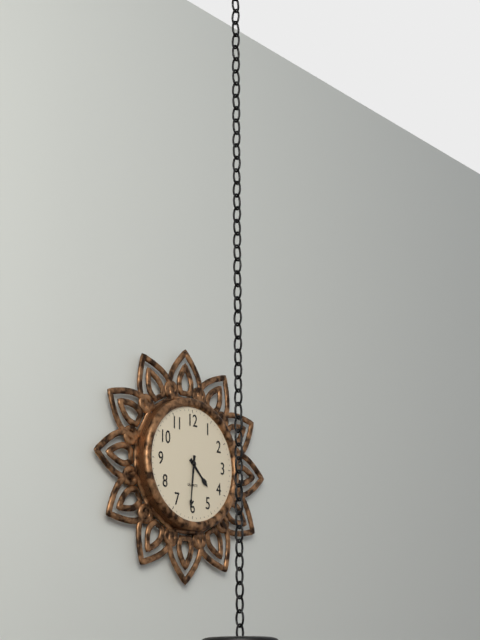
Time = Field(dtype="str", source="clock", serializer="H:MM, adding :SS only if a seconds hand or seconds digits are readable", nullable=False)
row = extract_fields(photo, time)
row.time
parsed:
4:31
